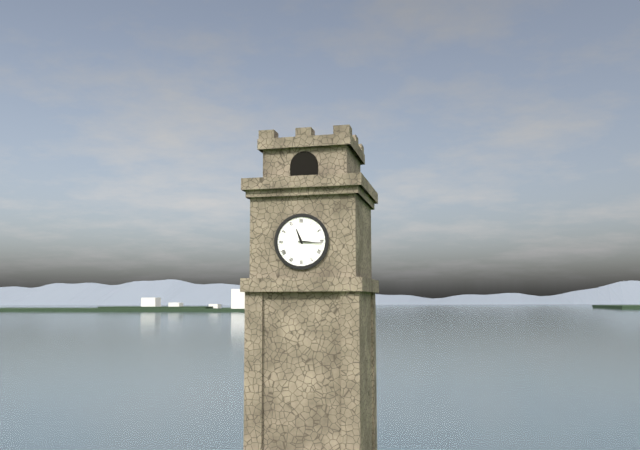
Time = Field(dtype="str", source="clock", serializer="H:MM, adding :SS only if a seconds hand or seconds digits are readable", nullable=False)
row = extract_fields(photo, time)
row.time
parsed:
11:16
